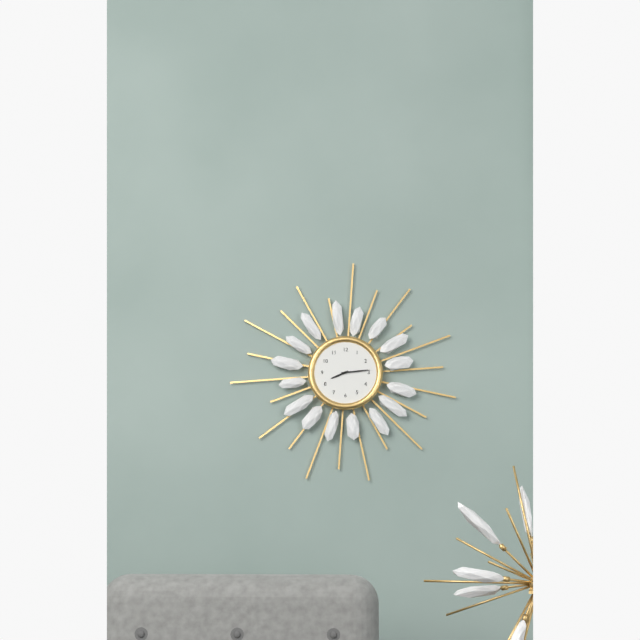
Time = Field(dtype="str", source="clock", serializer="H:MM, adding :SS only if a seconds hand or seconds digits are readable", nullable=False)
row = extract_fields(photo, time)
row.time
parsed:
8:14
